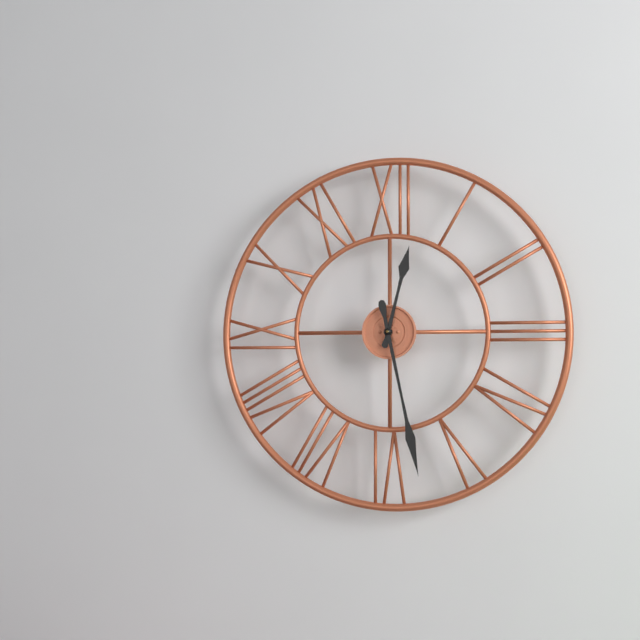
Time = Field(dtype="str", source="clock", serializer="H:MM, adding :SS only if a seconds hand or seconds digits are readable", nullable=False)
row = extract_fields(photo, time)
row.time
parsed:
12:28
